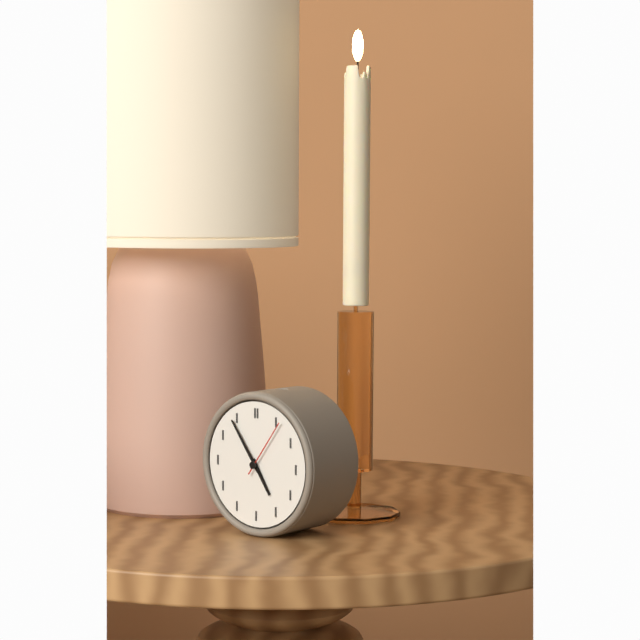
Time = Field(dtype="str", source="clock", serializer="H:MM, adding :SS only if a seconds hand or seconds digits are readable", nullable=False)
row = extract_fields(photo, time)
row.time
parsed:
4:54:06
